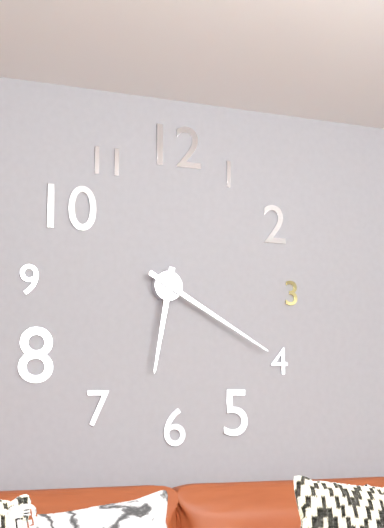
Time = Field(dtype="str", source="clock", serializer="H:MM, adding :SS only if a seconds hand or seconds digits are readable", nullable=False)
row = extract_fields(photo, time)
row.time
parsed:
6:20
